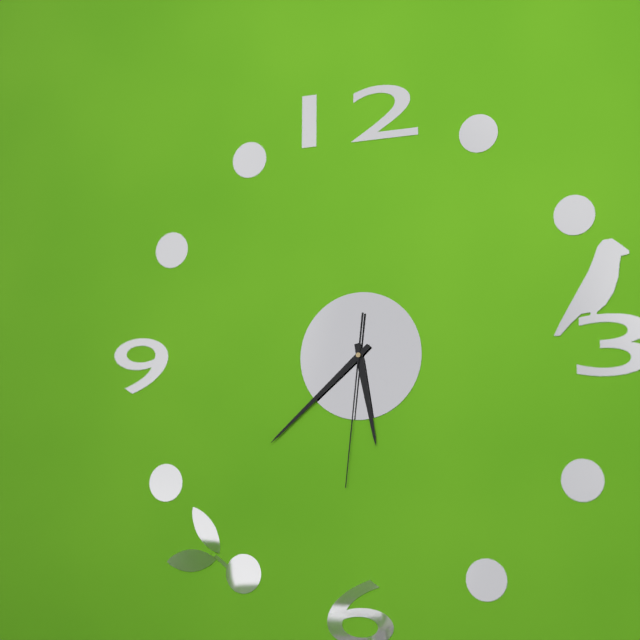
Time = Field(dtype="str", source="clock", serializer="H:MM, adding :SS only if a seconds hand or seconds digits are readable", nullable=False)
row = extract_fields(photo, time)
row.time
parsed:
5:38:31
